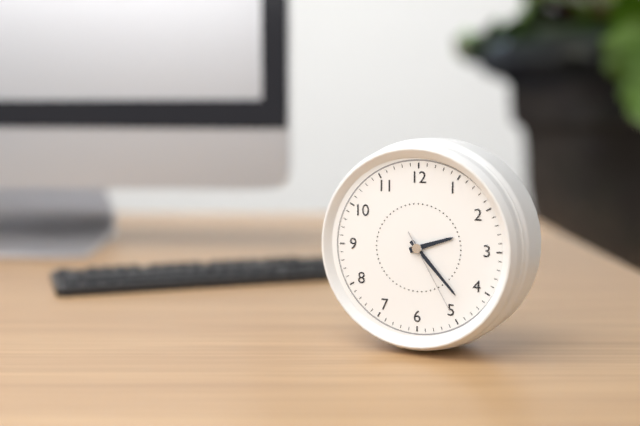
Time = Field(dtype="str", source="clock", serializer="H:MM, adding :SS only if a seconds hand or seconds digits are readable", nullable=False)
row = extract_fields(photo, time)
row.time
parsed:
2:23:25
